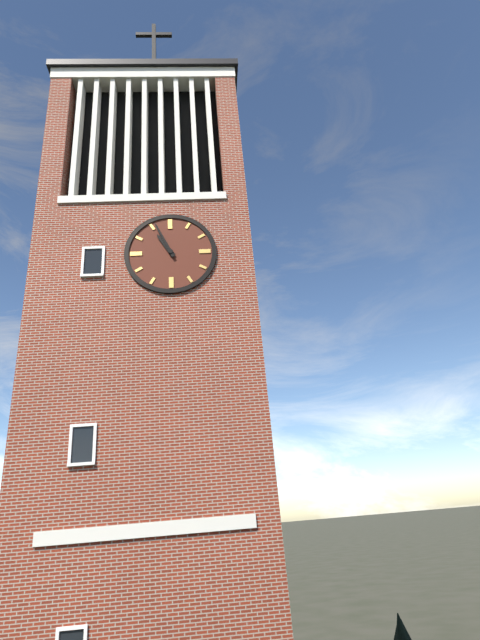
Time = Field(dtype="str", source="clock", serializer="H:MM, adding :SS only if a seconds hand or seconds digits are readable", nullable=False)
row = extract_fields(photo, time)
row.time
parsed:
10:56
